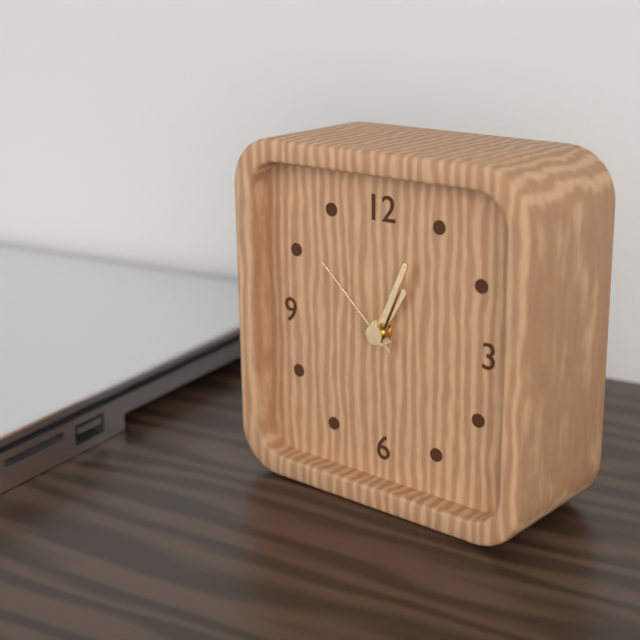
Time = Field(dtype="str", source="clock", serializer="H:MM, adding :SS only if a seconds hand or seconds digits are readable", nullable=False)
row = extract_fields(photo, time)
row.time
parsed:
1:04:52
